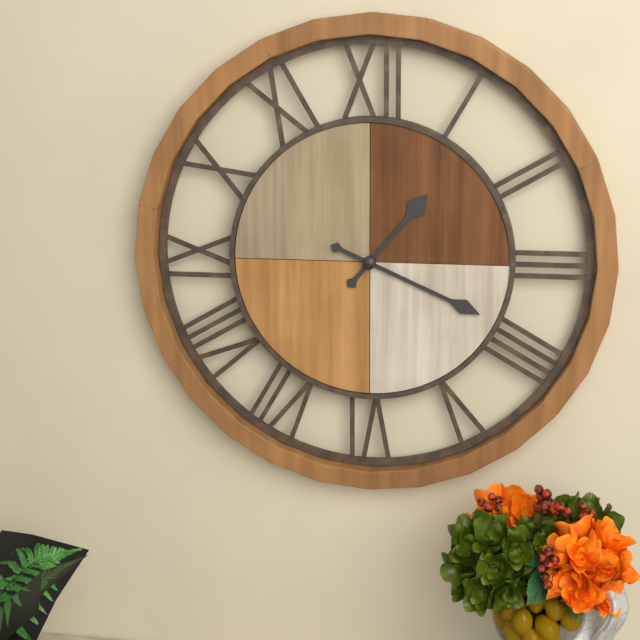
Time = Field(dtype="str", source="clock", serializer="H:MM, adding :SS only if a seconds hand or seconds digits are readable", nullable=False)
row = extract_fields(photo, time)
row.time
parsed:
1:19
